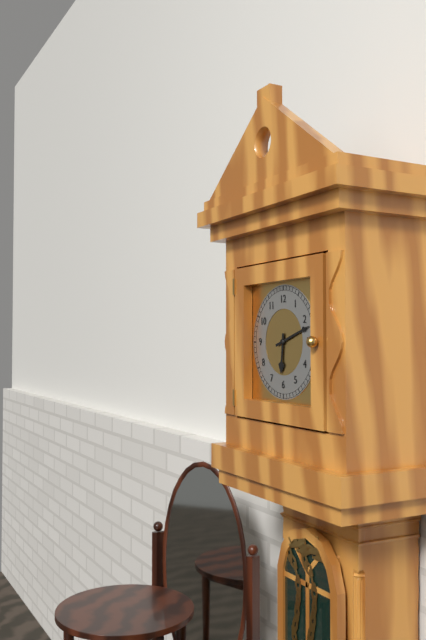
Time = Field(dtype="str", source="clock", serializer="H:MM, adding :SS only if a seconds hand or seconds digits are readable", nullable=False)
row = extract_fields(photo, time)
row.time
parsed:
6:12
